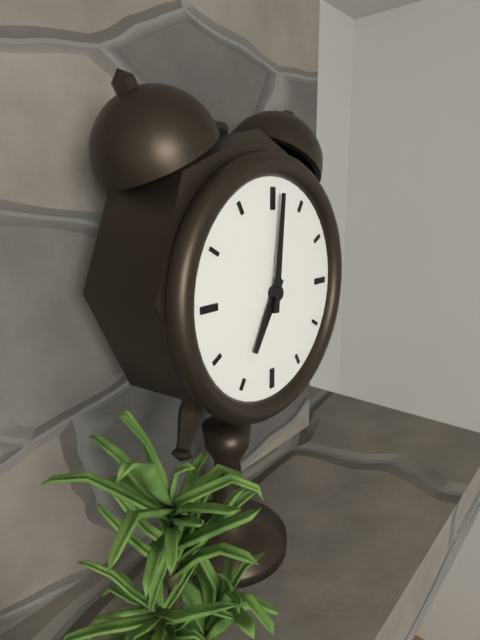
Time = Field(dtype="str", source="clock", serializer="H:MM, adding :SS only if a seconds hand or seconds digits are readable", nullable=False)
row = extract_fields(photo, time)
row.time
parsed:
7:01
